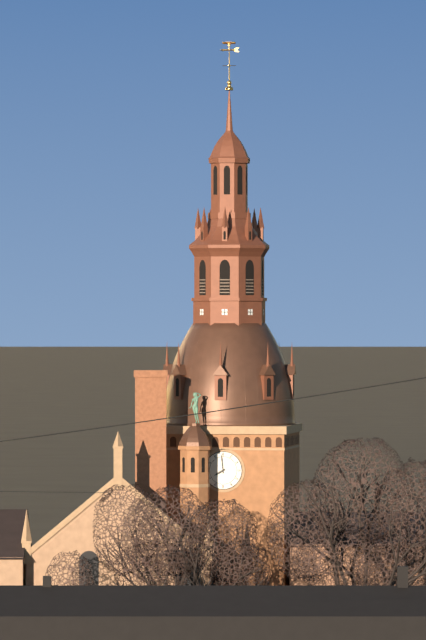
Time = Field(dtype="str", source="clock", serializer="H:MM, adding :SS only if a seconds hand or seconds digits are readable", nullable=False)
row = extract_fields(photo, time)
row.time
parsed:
7:59
